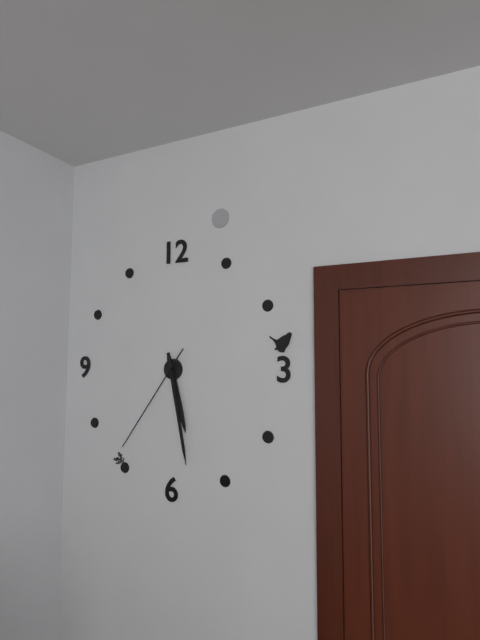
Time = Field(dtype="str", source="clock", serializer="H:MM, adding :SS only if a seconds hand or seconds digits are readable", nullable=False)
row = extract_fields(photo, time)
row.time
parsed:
5:28:36
